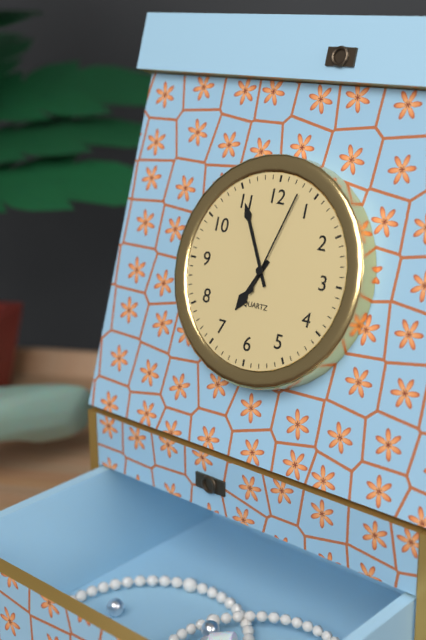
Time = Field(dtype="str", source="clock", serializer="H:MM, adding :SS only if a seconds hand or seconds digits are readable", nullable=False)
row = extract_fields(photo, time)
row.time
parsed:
6:55:03
